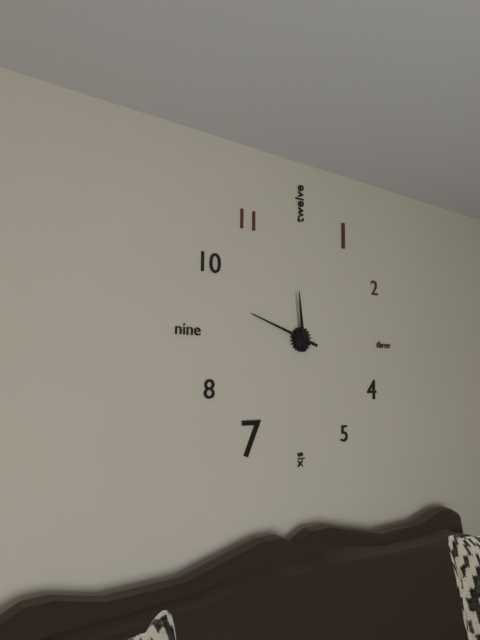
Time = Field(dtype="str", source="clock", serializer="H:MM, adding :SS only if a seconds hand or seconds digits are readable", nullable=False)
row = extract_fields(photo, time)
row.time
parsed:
11:48
